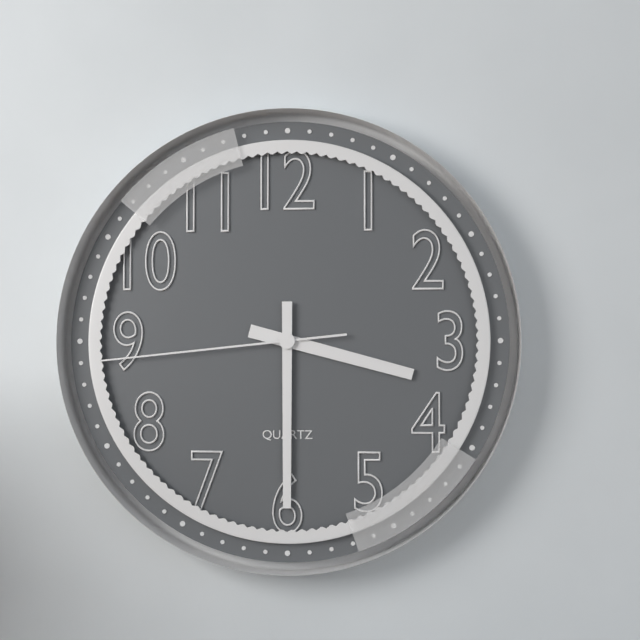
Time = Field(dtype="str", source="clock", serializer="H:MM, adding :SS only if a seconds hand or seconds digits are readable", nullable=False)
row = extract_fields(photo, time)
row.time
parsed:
3:30:44
